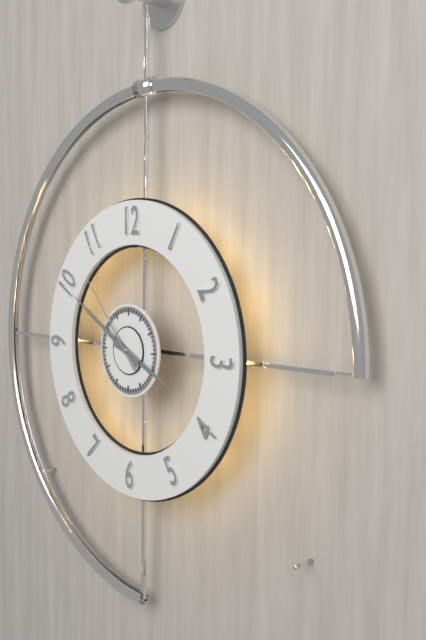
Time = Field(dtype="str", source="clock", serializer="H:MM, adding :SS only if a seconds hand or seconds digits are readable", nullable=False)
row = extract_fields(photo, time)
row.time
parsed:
3:50:53
